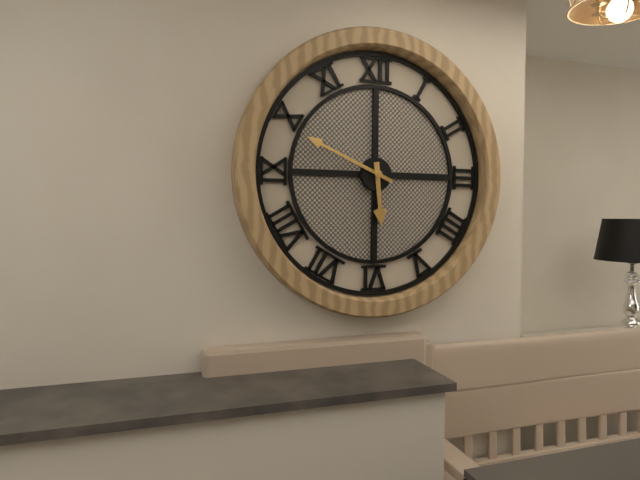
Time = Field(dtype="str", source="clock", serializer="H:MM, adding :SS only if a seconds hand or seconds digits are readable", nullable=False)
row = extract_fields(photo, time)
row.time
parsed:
5:49
